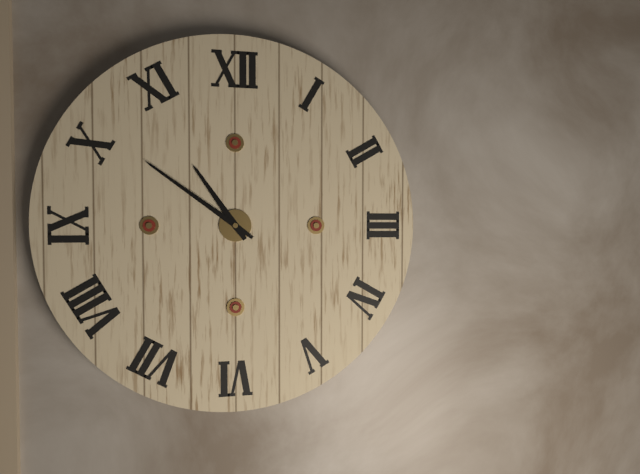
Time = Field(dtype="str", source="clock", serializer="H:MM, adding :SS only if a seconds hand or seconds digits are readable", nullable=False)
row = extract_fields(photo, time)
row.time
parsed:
10:51
